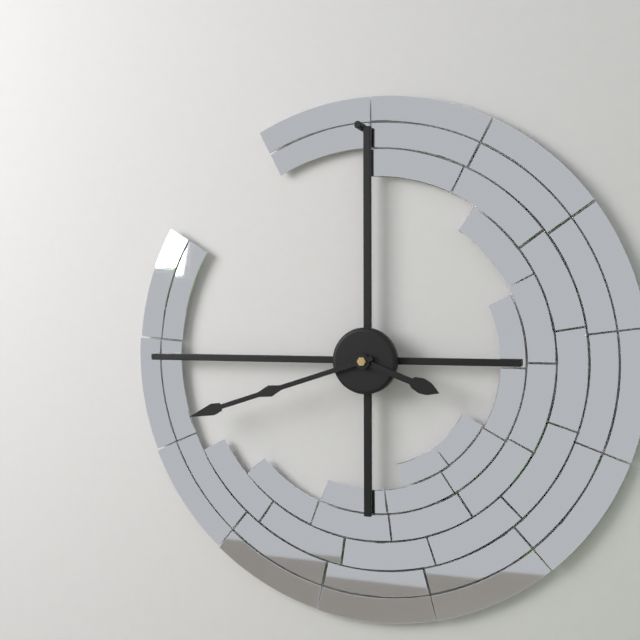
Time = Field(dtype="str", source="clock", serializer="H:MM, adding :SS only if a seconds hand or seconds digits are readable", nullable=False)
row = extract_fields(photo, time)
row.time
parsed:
3:42
